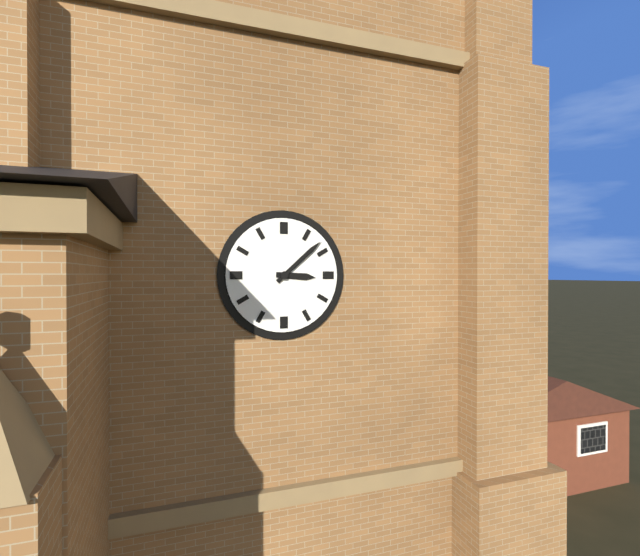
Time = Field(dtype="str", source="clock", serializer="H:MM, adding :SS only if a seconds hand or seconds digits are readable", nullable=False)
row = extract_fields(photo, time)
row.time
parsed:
3:08
